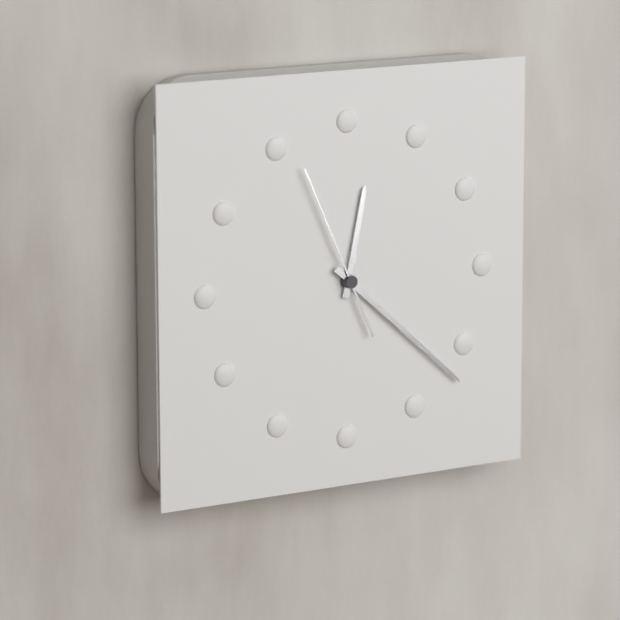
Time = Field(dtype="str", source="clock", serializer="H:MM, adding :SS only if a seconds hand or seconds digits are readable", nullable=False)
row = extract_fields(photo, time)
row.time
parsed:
12:22:56
